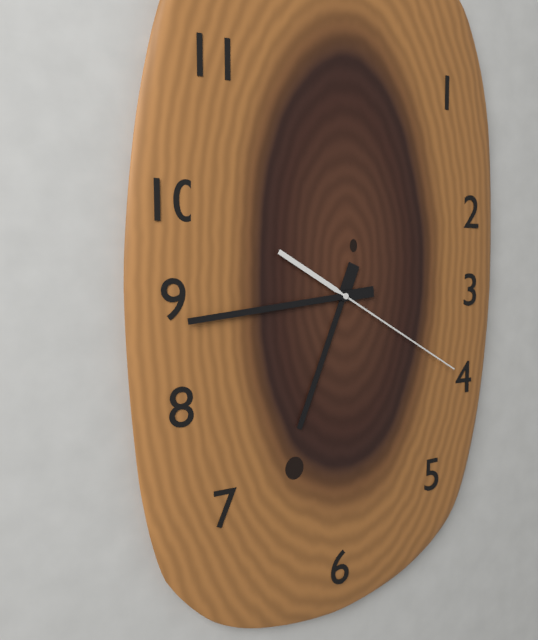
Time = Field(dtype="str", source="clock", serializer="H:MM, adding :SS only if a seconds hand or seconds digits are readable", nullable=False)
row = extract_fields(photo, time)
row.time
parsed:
6:44:20
